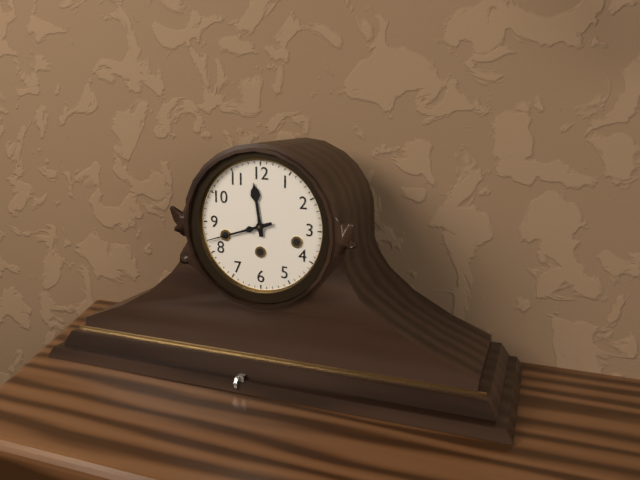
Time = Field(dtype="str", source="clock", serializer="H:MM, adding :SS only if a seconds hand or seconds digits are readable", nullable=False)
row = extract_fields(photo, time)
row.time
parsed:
11:42
